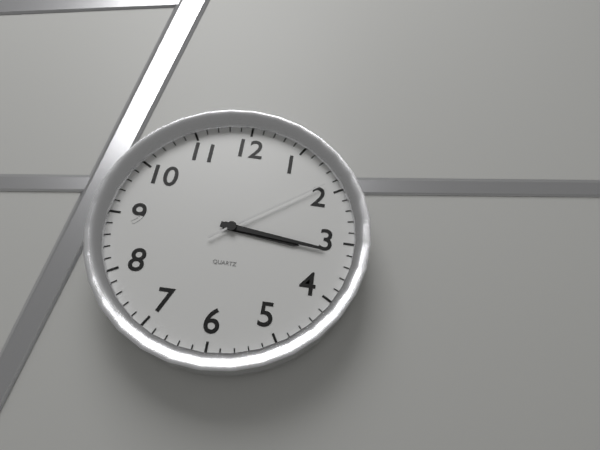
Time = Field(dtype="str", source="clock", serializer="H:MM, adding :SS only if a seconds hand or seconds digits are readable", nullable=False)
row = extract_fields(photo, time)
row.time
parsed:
3:16:09
